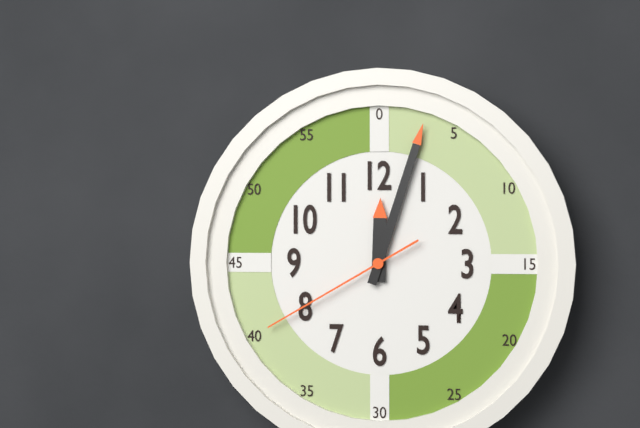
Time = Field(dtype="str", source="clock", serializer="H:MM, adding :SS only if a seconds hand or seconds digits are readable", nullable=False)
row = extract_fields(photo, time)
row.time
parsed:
12:03:40
